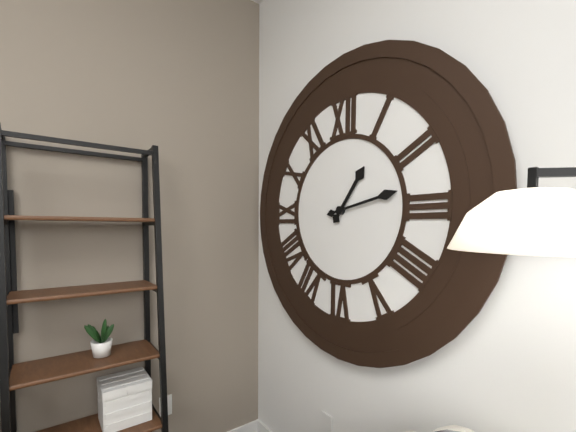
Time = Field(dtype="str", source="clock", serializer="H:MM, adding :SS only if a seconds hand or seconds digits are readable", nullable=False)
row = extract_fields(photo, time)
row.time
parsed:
1:13
